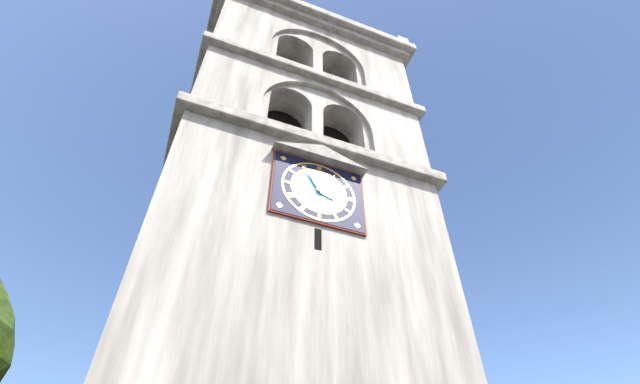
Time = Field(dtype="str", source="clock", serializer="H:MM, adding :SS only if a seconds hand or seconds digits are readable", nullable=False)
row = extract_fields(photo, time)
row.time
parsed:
3:55
